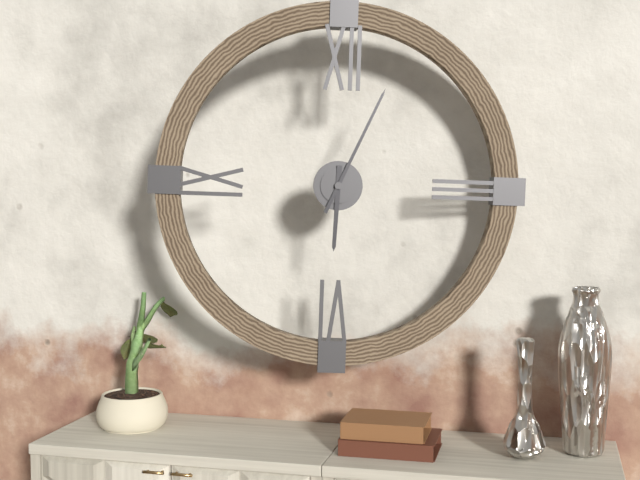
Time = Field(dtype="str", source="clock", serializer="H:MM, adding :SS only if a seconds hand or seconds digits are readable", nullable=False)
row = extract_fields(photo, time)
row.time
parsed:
6:04
